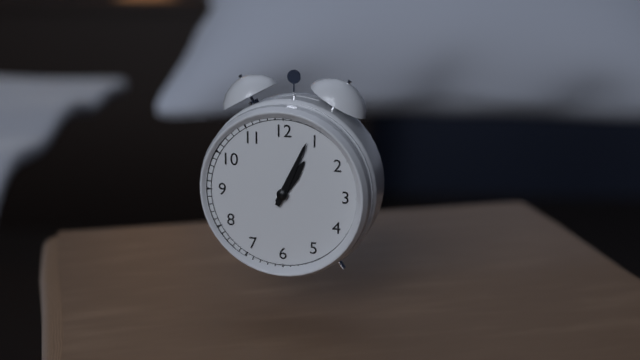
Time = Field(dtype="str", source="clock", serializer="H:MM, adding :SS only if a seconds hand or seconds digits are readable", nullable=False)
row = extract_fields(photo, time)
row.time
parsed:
1:04
